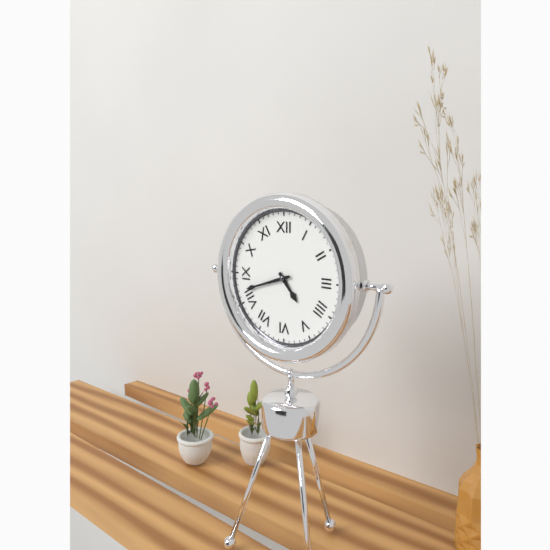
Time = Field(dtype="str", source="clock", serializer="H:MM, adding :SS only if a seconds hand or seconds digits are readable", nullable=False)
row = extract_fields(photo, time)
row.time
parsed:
4:42
